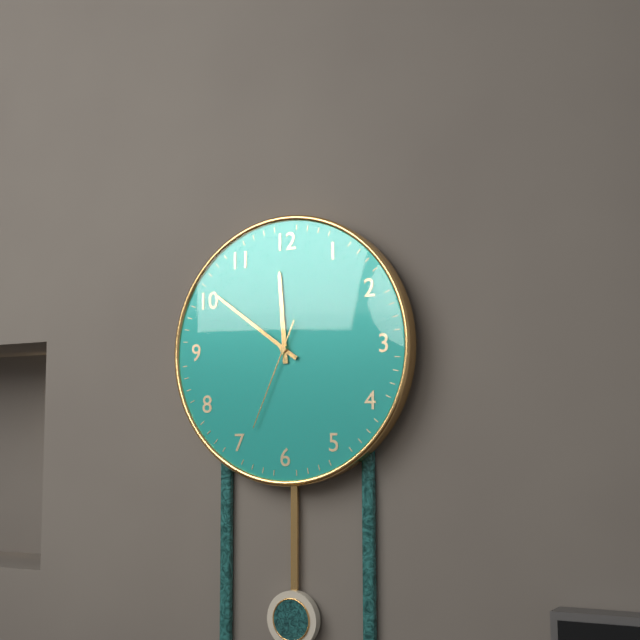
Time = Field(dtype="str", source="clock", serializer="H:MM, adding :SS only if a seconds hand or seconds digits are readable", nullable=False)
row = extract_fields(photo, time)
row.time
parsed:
11:51:34
